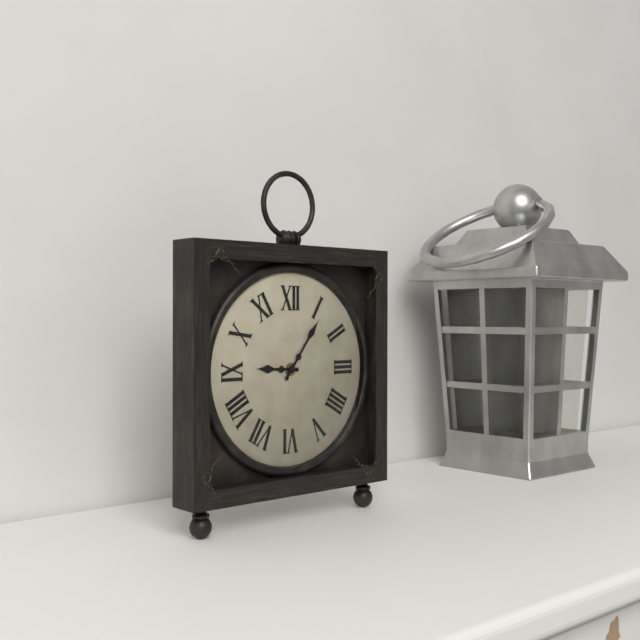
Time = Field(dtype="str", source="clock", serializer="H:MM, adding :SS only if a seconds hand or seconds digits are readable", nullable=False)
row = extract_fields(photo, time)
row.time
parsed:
9:06
